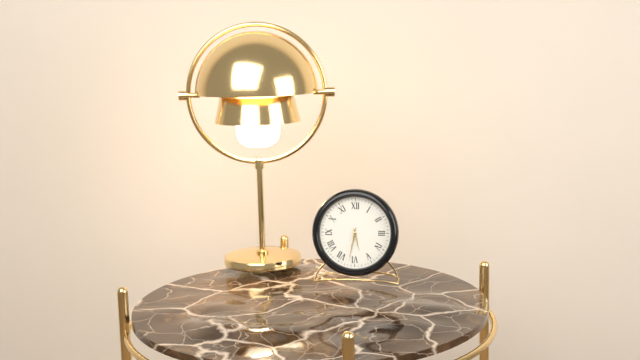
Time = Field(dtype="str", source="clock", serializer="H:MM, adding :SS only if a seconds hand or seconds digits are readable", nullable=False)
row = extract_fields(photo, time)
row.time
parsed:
5:32
